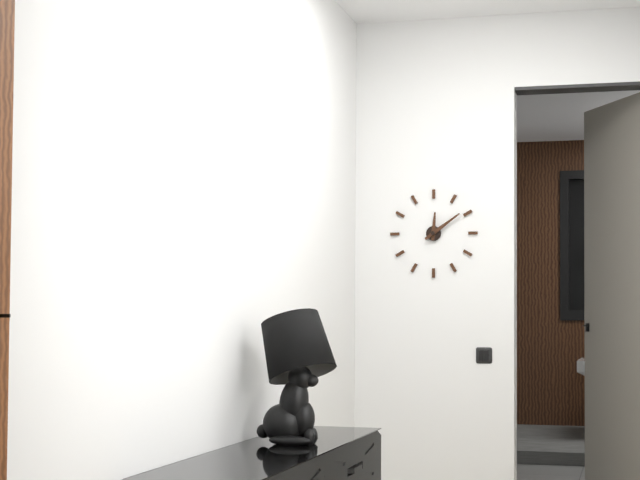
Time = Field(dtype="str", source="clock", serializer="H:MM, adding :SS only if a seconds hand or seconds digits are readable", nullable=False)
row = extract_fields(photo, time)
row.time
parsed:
12:09
